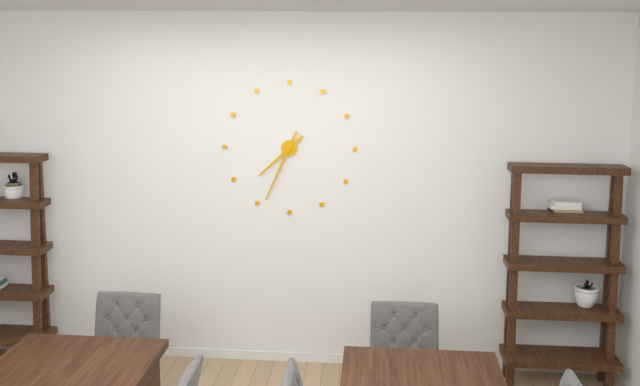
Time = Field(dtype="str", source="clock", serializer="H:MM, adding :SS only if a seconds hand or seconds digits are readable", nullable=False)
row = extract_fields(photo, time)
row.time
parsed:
7:34
